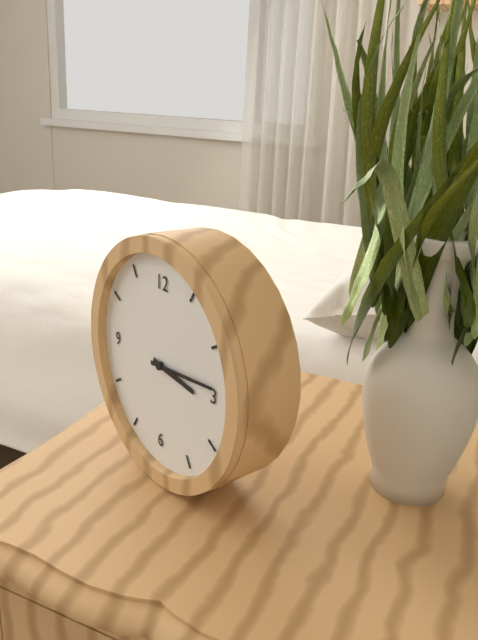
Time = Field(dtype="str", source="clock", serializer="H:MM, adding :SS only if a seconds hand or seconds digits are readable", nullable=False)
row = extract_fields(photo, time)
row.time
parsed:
3:14
